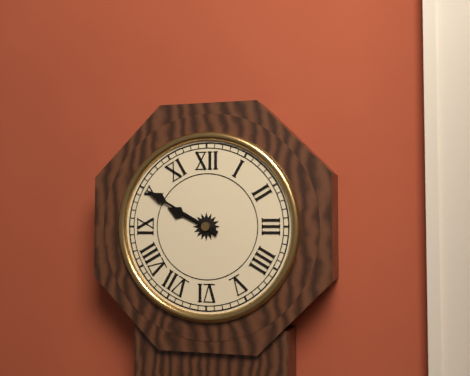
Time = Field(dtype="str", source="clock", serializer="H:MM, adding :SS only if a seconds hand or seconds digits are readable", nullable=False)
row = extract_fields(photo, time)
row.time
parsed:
9:50
